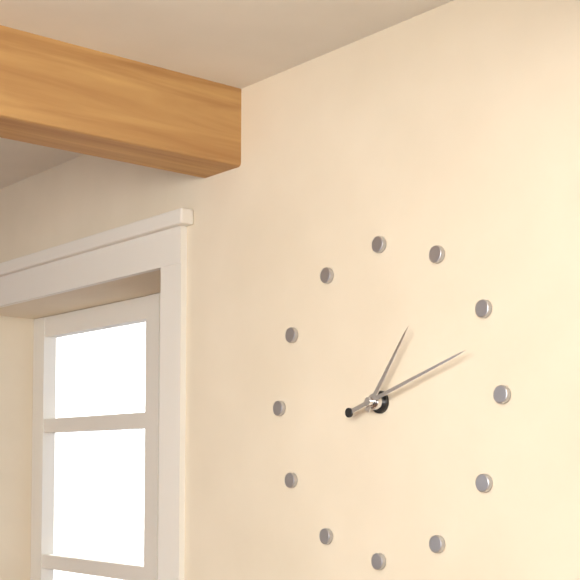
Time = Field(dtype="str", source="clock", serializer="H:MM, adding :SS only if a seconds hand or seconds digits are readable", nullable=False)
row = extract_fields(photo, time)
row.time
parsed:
1:12
